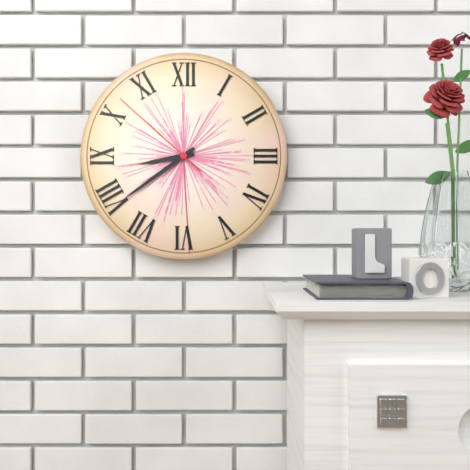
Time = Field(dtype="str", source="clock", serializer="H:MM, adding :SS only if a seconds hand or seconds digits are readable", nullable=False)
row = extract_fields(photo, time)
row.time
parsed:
8:39:52
